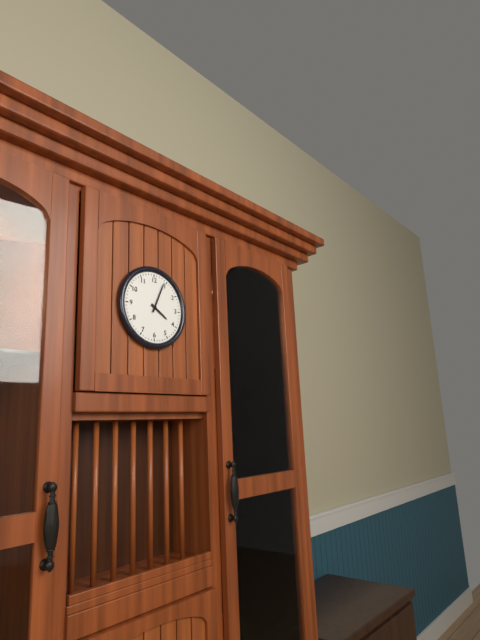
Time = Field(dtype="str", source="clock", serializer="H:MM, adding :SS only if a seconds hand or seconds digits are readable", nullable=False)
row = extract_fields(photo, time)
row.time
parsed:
4:04
